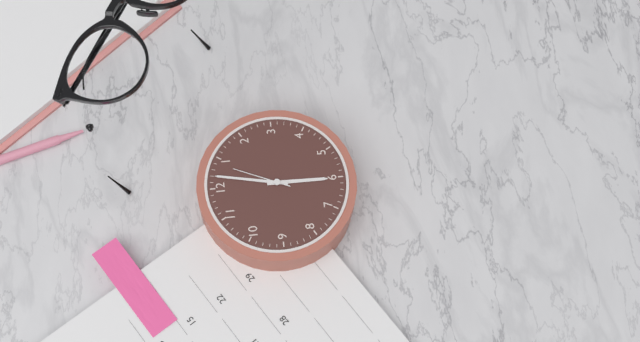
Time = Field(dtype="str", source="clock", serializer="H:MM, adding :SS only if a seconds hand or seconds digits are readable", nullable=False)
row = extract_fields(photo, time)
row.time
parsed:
6:02:04
